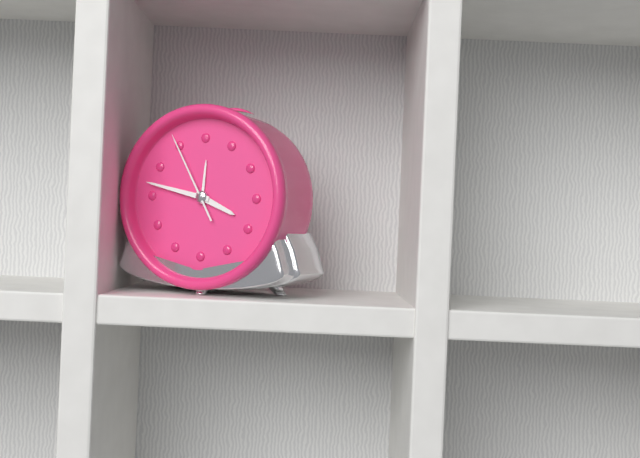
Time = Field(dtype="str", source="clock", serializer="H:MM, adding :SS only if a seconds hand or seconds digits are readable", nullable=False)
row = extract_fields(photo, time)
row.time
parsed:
3:47:55
